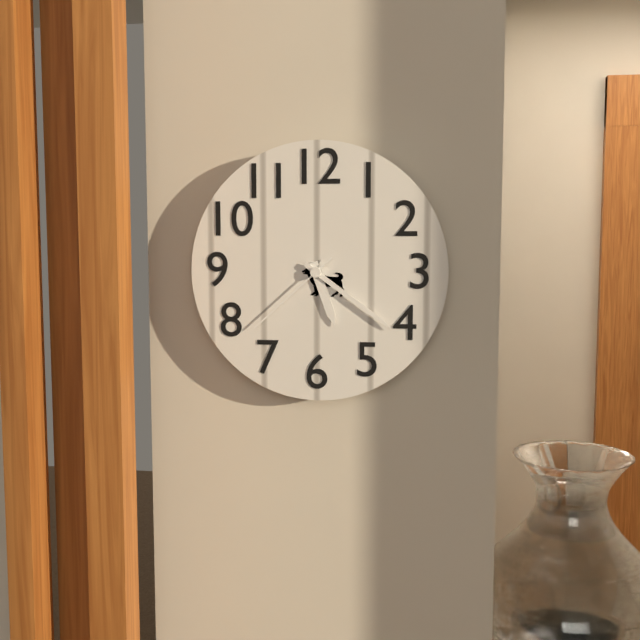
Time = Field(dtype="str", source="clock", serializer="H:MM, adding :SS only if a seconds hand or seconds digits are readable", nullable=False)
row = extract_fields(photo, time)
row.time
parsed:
5:21:38
